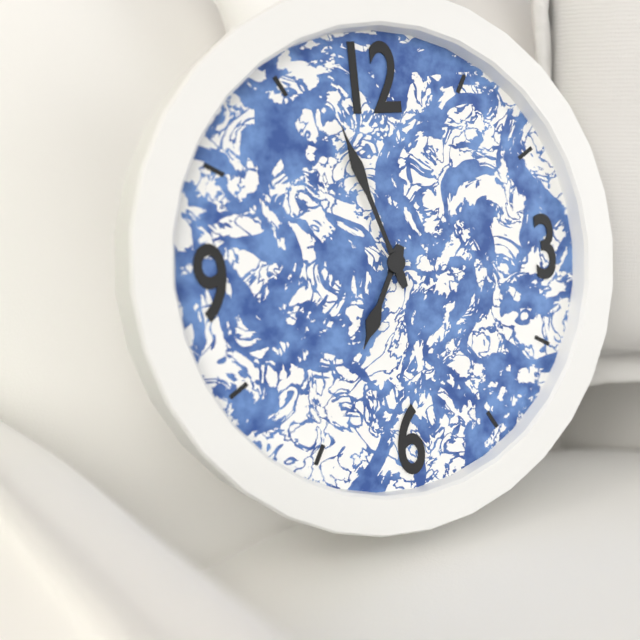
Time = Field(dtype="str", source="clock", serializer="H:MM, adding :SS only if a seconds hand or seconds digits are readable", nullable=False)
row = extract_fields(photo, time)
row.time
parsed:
6:57
